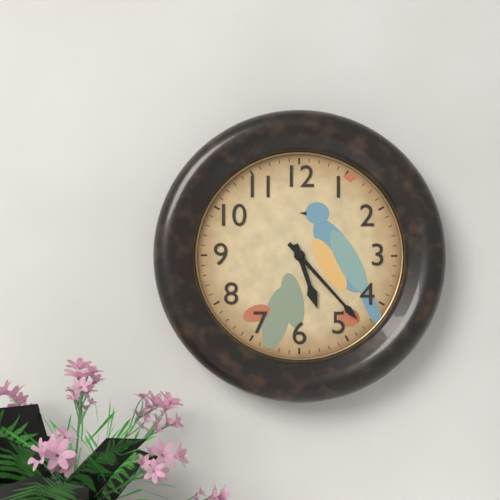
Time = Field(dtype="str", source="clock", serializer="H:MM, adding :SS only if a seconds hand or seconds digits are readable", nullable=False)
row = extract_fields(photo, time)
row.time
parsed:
5:23
